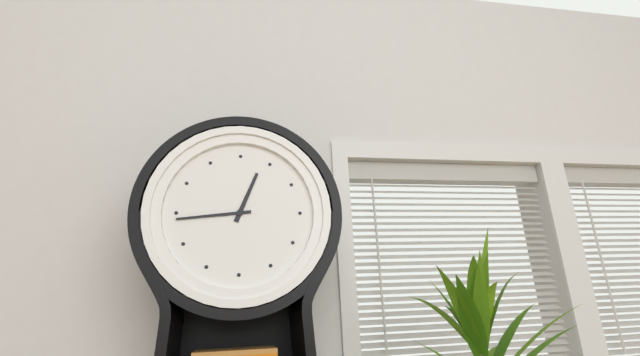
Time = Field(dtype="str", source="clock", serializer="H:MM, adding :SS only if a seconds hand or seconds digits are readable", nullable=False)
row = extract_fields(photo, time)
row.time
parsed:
12:44
